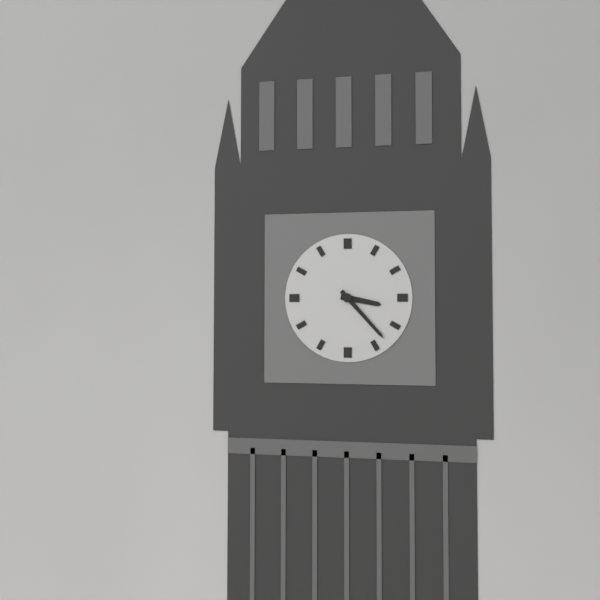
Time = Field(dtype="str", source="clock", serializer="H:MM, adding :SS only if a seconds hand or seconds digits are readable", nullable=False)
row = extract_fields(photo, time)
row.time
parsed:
3:23
